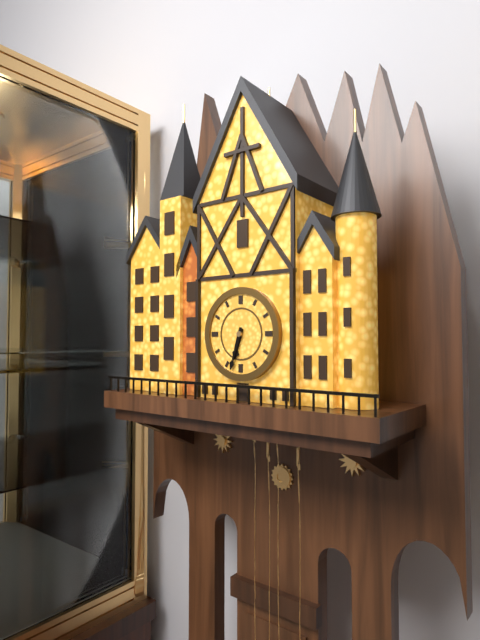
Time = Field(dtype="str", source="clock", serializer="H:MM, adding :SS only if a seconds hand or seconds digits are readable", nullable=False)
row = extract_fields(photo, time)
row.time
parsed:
6:33
